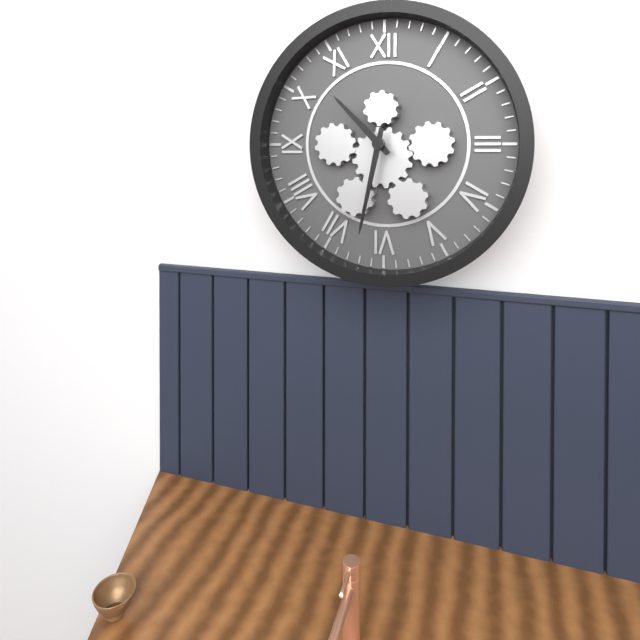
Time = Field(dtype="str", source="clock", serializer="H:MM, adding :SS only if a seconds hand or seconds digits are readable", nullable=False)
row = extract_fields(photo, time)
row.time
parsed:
10:32
